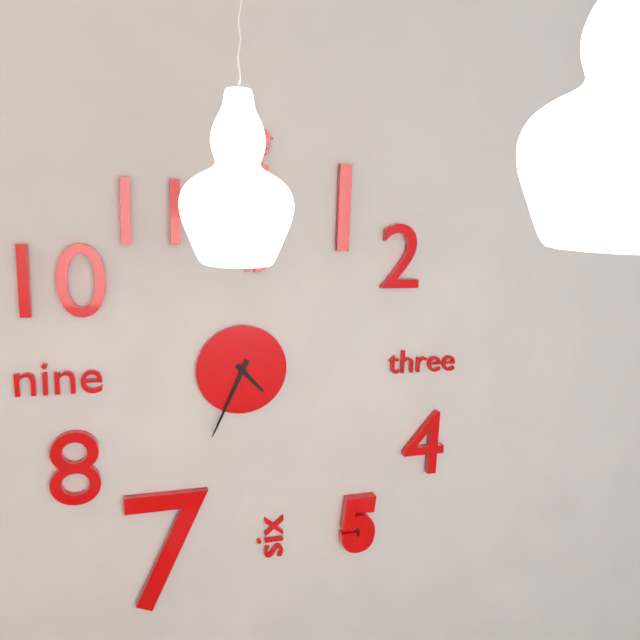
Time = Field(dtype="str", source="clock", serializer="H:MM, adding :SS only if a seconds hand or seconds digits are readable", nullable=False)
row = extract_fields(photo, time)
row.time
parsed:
4:34
